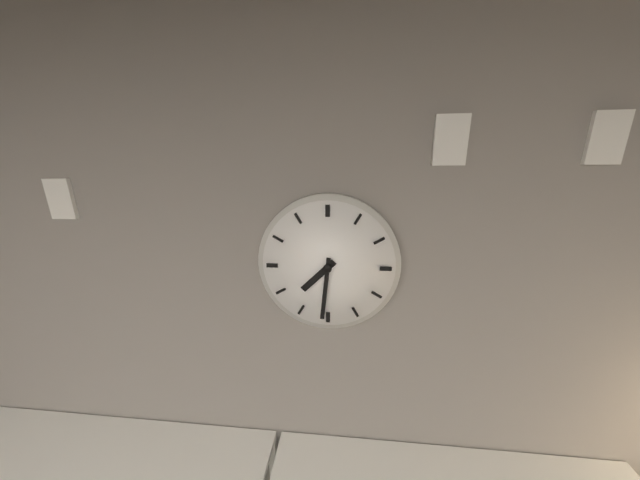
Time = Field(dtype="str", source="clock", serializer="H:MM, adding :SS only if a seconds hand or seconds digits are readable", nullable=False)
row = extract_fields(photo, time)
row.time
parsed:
7:31
